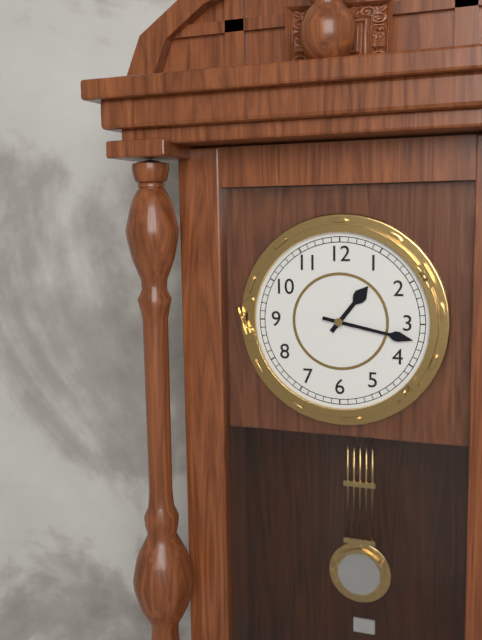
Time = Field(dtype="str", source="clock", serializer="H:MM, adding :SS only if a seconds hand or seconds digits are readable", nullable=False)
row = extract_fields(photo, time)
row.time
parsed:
1:17
